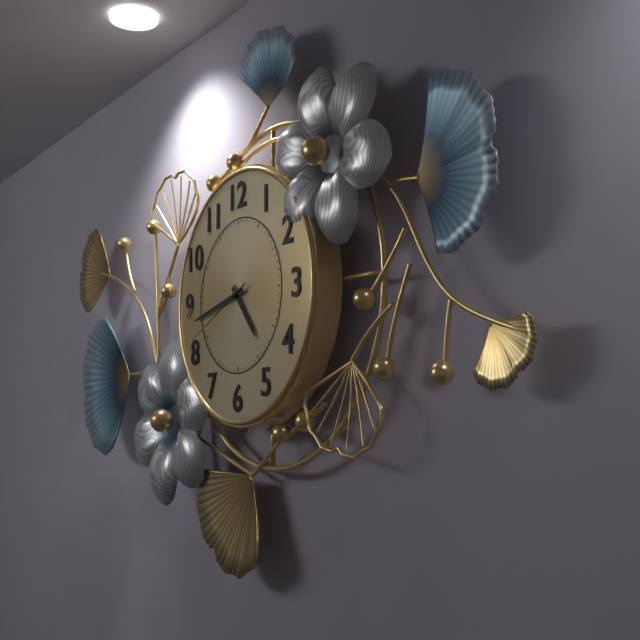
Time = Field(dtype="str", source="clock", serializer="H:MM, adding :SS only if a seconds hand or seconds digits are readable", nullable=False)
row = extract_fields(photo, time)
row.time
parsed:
4:43:41
